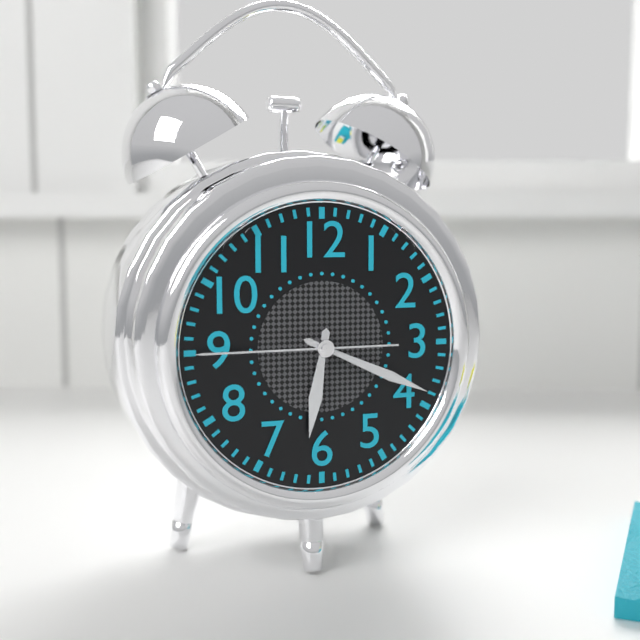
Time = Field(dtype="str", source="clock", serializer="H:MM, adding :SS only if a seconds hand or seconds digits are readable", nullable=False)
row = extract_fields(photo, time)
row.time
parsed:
6:19:45
